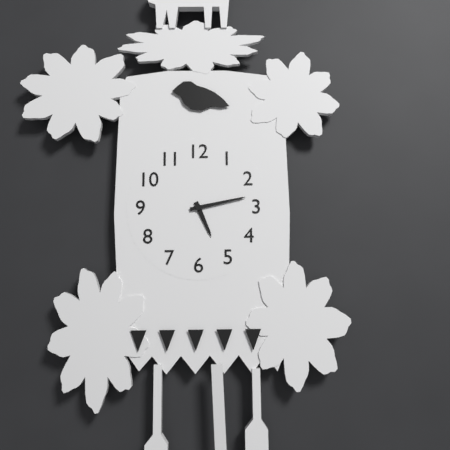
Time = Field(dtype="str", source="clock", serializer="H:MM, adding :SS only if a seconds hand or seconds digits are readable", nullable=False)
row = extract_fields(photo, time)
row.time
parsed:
5:13
